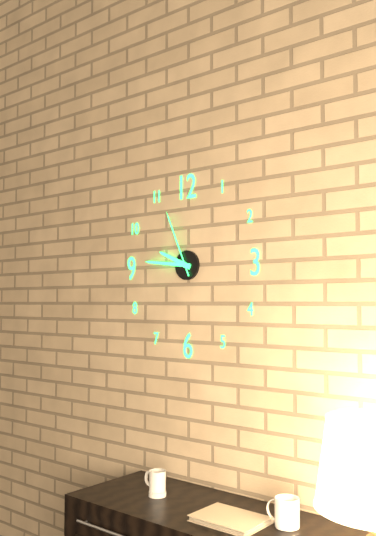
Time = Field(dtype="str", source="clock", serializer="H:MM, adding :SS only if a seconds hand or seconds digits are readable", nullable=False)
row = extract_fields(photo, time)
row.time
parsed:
9:46:56
